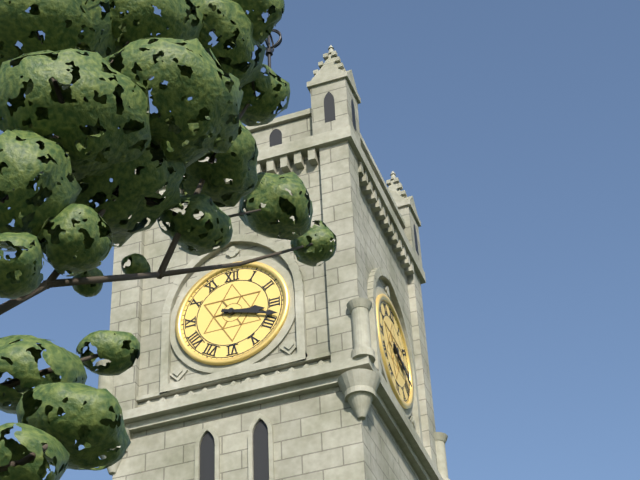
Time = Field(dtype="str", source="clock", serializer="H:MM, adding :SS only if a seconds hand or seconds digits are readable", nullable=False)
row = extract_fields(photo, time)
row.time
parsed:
3:18
